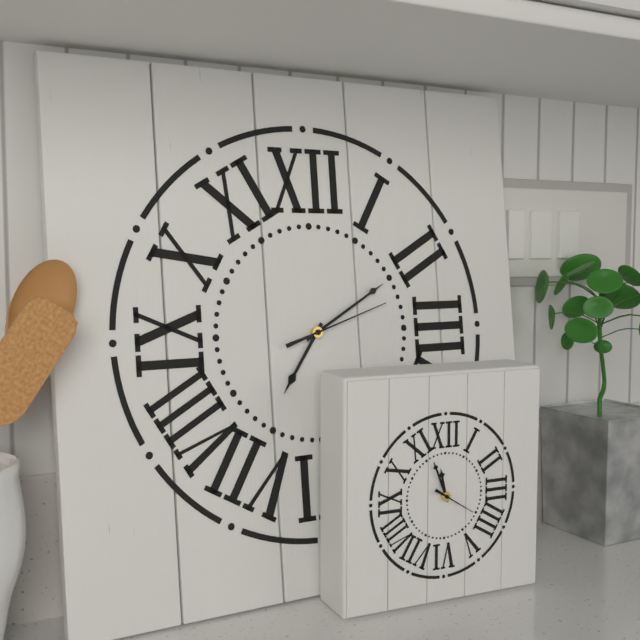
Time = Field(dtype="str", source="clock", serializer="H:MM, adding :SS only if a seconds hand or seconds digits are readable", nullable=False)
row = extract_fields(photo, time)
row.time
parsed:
7:10:12
